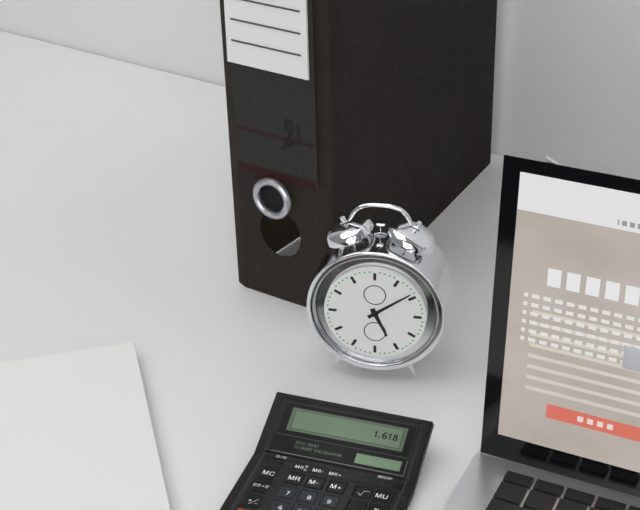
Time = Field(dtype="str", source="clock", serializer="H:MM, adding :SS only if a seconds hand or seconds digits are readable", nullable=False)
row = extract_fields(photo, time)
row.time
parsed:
5:09
